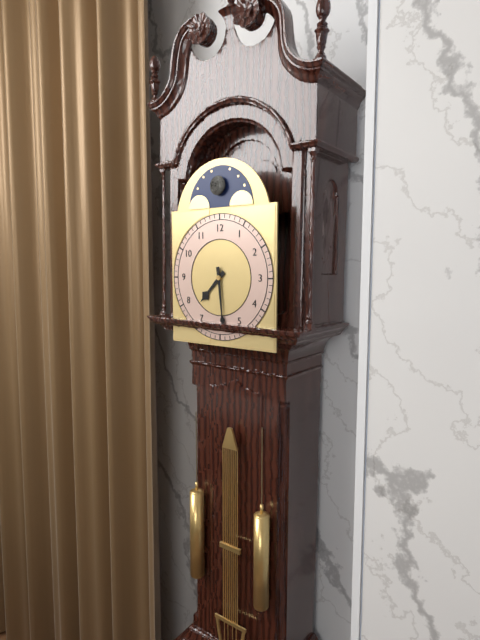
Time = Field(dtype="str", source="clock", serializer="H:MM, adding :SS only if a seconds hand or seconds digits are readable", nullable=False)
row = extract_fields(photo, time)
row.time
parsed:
7:29
